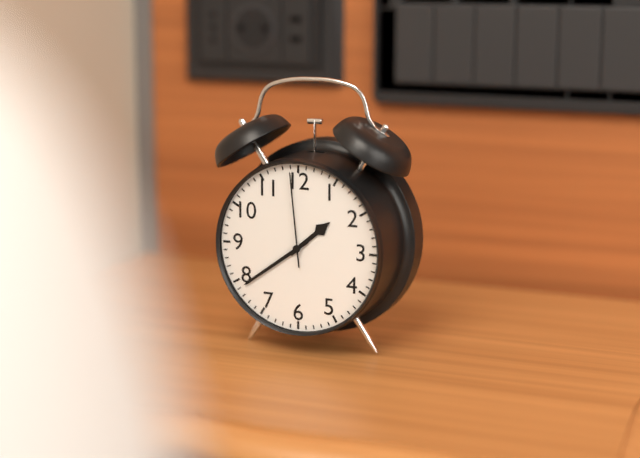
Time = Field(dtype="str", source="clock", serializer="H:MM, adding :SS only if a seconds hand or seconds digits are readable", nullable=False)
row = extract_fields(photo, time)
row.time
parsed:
1:39:59
